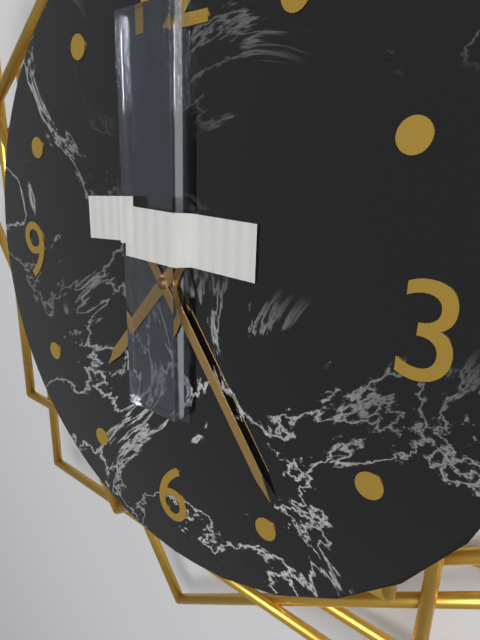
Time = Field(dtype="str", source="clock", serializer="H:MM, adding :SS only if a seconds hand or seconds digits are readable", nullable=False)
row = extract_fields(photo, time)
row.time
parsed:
7:24
